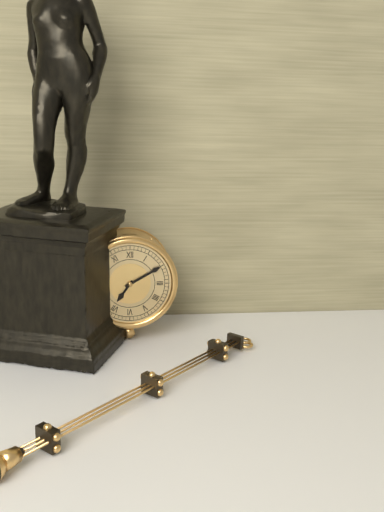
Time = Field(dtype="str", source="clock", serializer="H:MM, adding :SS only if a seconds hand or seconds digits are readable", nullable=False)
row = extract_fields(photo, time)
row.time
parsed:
7:10
